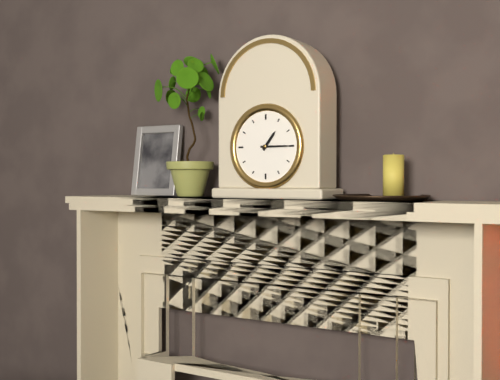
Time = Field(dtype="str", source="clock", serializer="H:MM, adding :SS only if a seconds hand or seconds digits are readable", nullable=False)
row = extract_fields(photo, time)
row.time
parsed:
1:15
